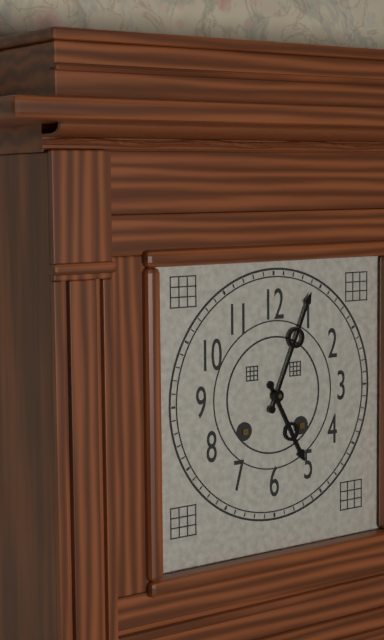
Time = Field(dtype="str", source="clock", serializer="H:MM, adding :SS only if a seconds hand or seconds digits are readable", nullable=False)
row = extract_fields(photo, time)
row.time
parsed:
5:04
